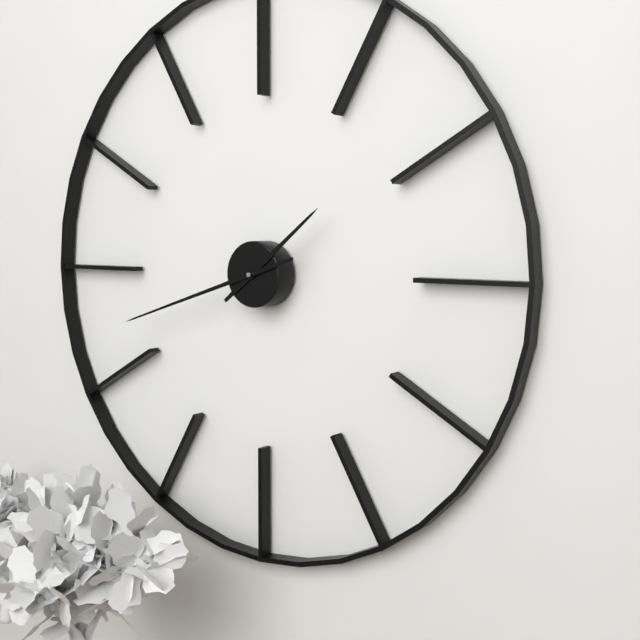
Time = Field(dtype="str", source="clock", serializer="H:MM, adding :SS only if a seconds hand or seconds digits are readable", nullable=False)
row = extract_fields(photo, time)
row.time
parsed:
1:42
